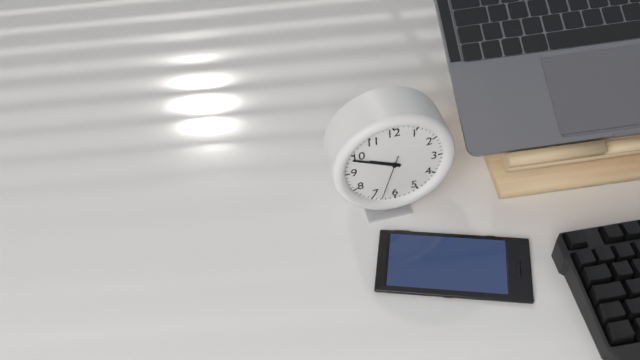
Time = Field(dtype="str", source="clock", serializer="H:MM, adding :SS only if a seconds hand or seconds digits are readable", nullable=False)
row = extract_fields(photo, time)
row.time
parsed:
9:49
